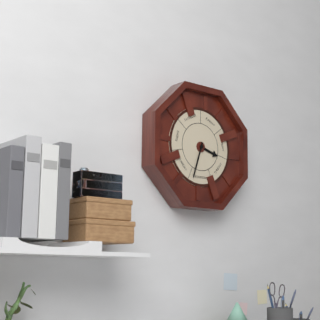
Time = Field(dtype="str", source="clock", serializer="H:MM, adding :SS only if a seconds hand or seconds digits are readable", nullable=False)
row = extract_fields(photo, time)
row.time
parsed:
3:33
